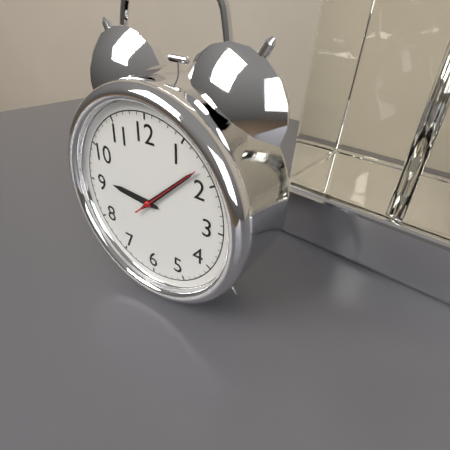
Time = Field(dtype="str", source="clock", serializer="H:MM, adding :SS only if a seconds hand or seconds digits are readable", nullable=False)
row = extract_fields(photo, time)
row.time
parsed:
9:08
